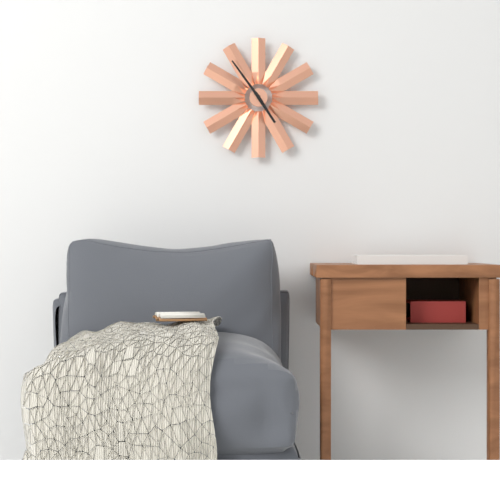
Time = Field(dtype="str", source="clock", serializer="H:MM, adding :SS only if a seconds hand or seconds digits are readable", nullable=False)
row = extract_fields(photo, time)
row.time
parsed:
4:54
